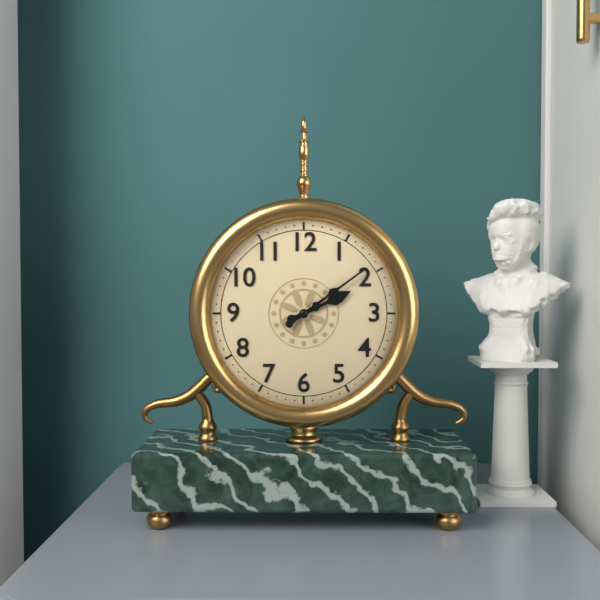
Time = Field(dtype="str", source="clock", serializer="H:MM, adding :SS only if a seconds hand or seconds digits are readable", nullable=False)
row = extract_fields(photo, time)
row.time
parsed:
2:09
